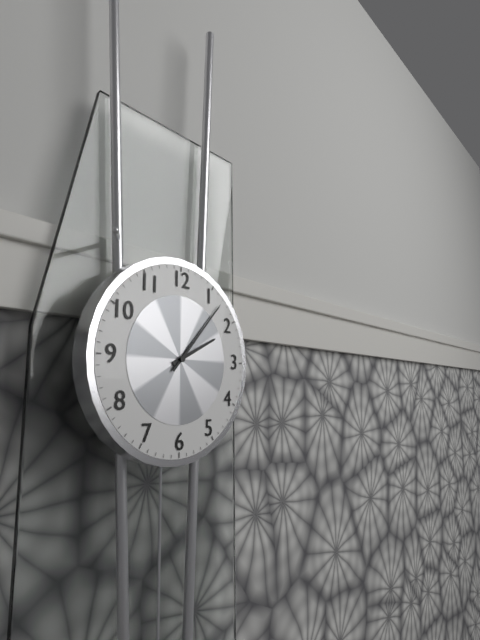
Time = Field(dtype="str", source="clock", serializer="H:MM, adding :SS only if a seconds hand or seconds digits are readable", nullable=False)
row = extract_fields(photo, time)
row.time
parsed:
2:07
